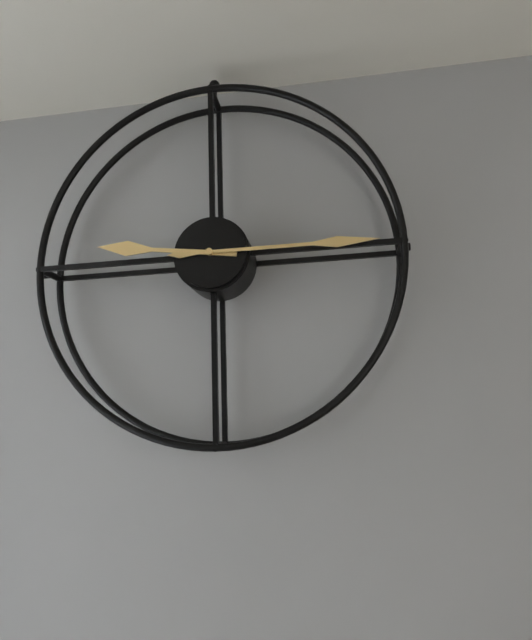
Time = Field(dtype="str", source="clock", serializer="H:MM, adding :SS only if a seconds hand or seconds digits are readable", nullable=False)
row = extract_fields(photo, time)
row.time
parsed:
9:15
